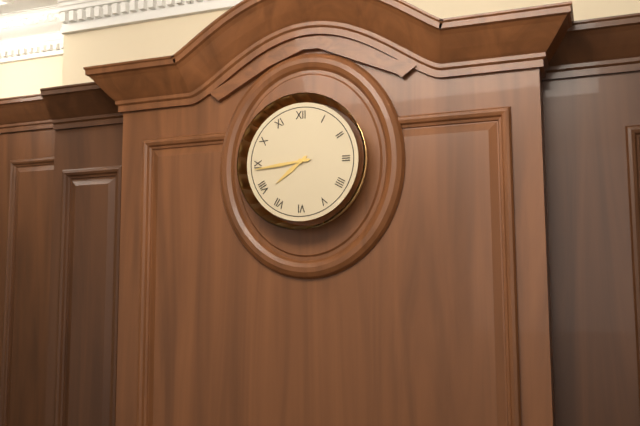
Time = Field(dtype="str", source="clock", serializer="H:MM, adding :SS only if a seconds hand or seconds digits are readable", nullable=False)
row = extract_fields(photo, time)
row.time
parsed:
7:44
